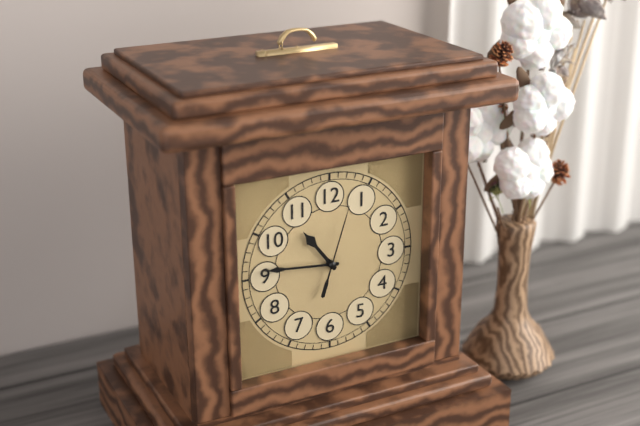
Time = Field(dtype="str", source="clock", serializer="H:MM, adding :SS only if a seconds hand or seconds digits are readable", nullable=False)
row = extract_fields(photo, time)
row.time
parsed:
10:46:03
